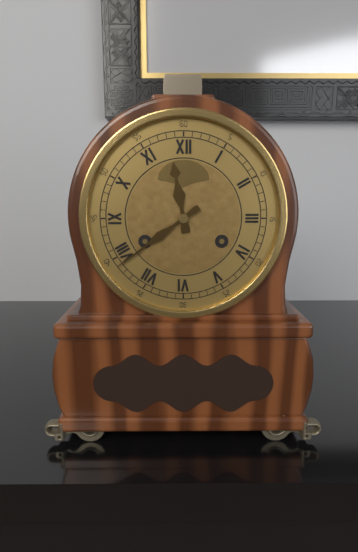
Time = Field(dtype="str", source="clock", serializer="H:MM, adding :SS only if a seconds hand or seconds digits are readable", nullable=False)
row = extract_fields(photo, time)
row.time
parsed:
11:39
